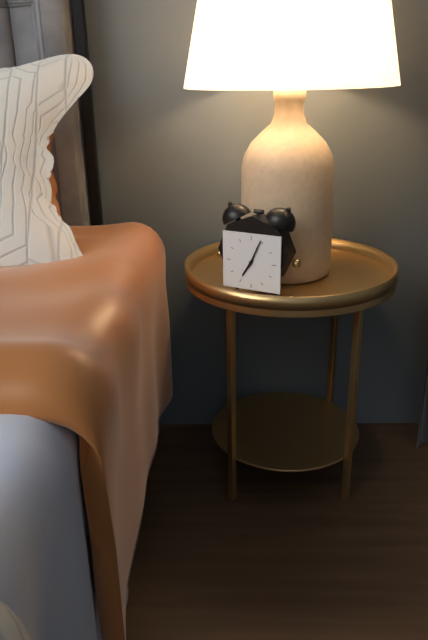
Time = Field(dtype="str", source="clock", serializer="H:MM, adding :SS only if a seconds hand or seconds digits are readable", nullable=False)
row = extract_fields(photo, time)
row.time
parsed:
7:04
